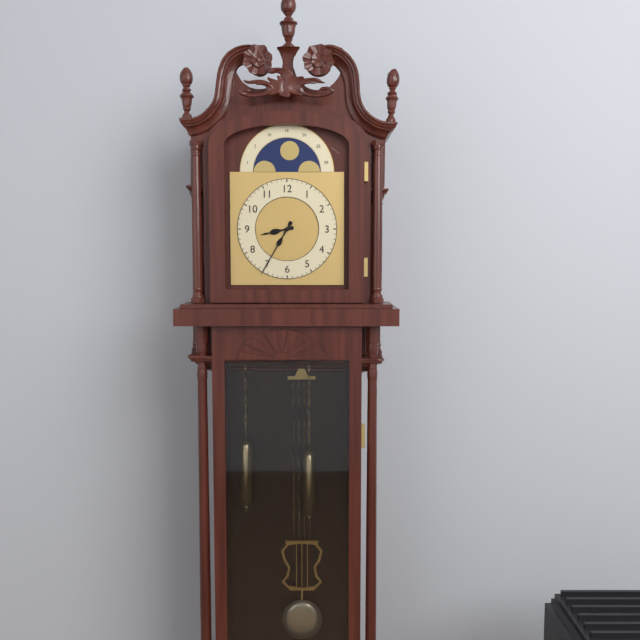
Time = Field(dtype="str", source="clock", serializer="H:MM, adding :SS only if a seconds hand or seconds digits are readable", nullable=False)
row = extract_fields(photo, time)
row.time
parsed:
8:35
